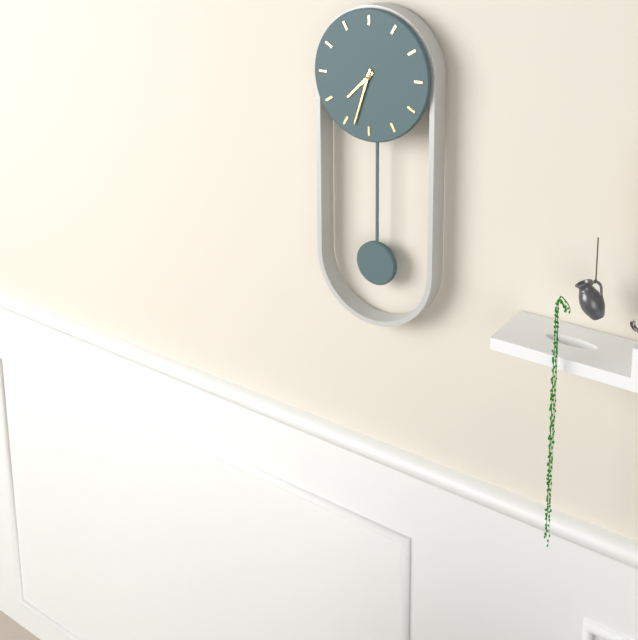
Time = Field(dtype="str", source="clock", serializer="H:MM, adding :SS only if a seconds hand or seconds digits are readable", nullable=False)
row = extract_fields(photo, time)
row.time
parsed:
7:33
